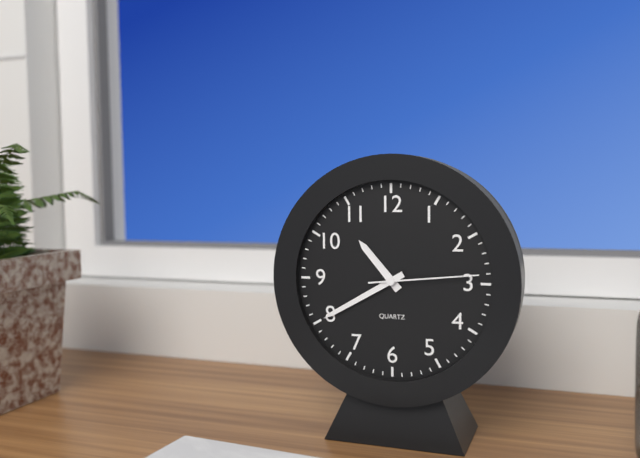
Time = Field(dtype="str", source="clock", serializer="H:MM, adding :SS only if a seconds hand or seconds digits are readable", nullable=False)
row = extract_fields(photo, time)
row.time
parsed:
10:40:14
